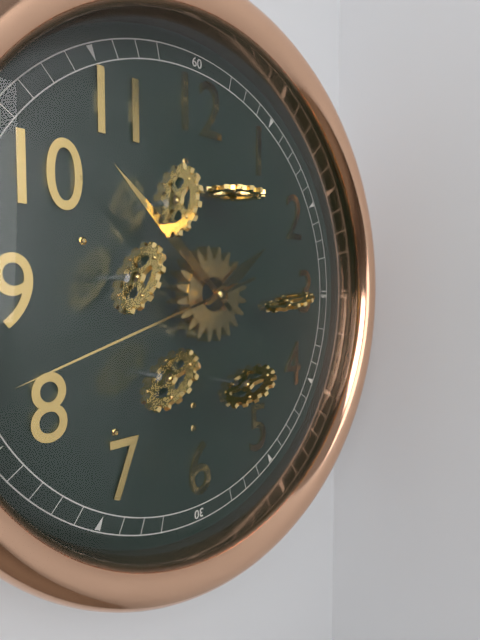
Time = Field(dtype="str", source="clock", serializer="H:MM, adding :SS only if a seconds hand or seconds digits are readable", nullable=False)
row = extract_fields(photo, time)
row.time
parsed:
1:52:42
